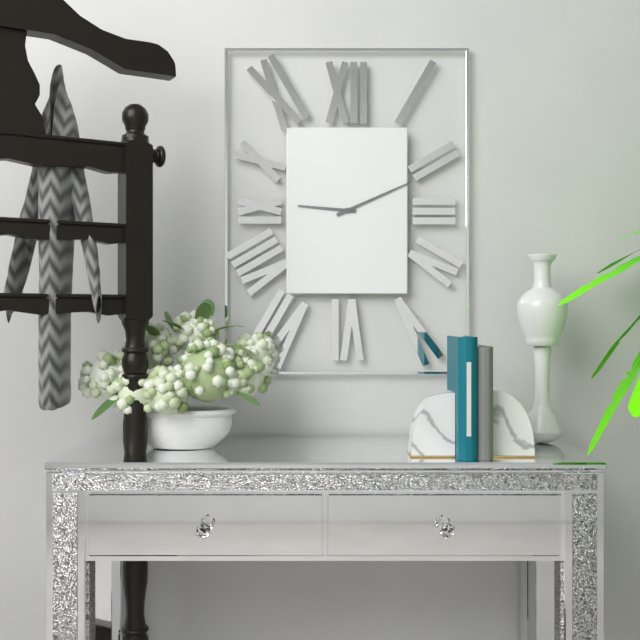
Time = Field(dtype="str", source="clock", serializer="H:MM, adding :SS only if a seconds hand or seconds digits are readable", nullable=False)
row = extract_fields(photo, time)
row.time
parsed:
9:11
